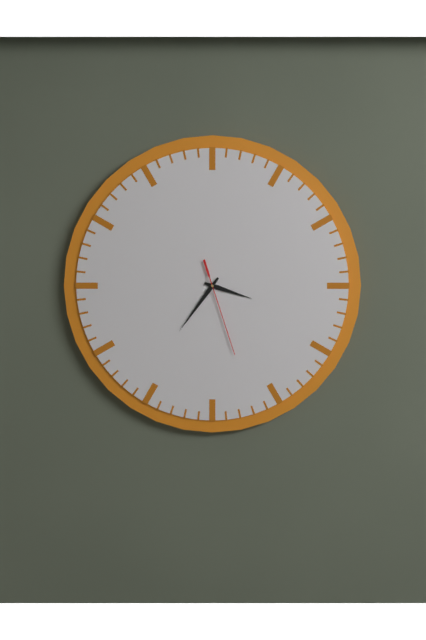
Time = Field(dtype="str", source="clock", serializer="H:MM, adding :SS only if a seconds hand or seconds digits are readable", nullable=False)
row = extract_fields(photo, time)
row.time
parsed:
3:36:27
